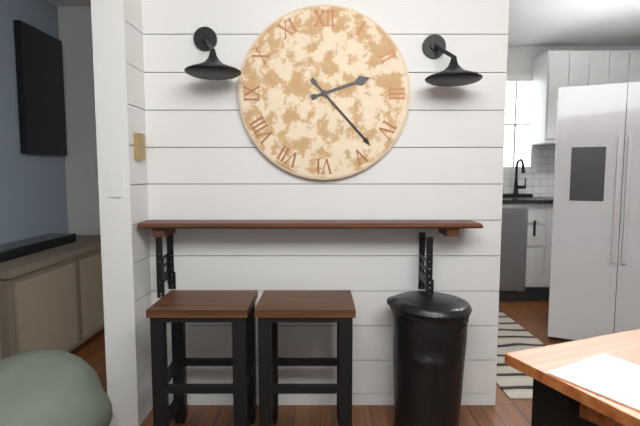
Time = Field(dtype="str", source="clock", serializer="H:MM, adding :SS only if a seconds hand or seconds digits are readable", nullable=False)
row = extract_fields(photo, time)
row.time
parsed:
2:23
